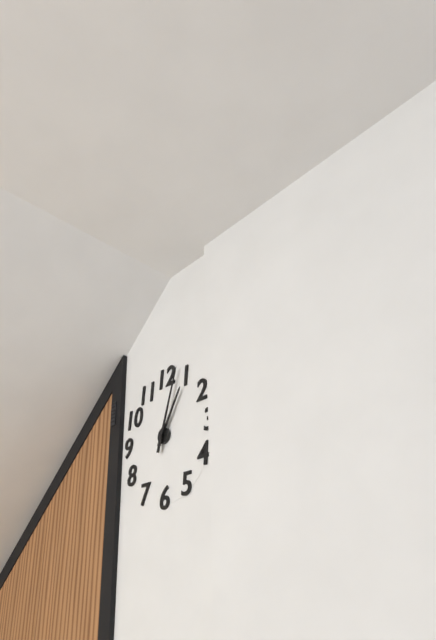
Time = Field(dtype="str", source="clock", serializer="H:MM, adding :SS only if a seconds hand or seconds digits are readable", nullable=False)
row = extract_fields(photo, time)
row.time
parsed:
1:03
